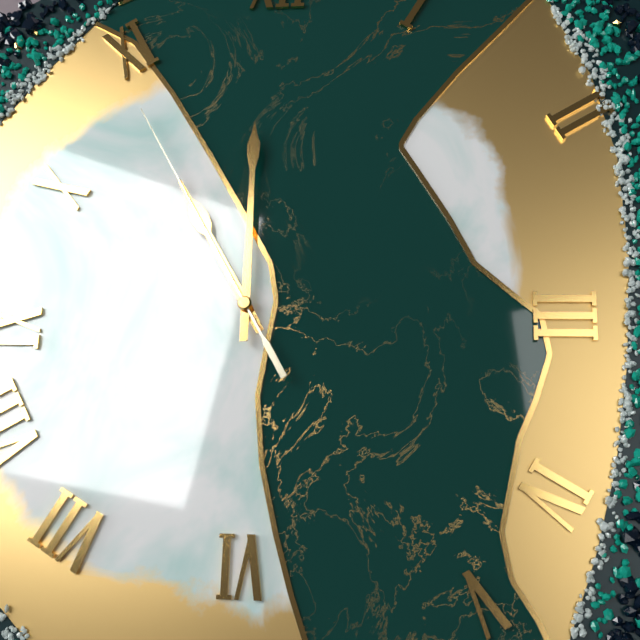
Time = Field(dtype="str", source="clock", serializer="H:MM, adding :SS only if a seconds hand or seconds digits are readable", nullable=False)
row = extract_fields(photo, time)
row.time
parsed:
11:00:55
